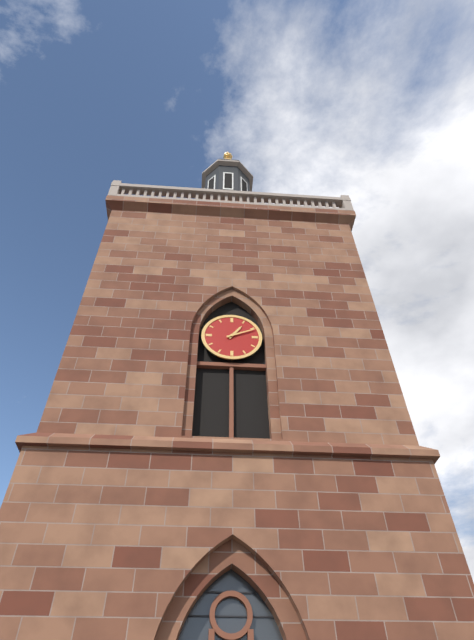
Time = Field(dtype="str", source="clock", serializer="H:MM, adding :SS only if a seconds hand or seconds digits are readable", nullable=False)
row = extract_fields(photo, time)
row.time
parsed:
1:11
